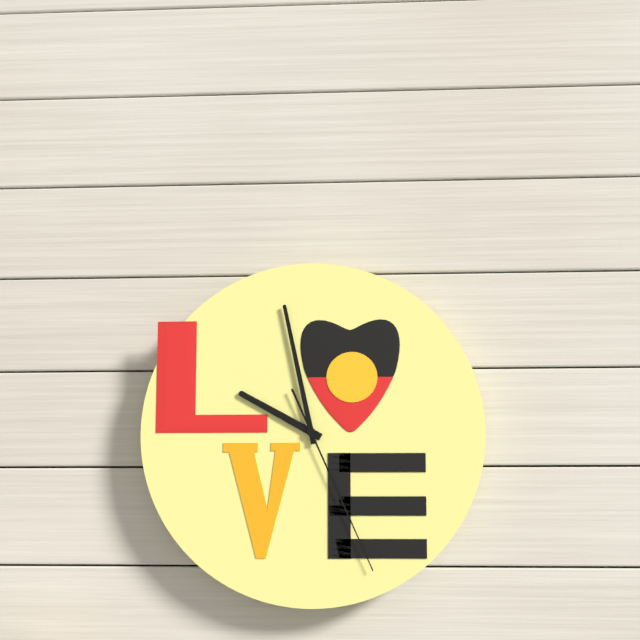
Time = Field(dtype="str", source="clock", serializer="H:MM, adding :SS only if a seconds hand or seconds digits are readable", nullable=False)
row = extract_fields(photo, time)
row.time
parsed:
9:58:26
